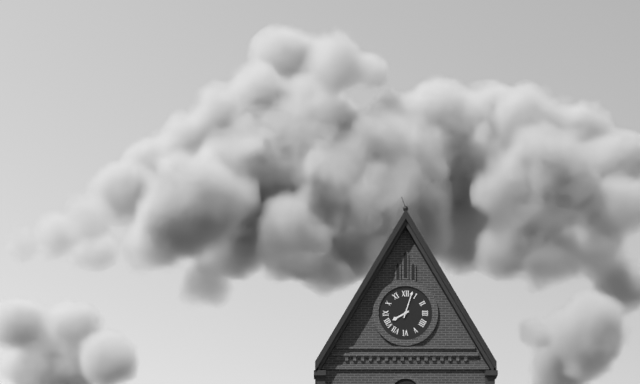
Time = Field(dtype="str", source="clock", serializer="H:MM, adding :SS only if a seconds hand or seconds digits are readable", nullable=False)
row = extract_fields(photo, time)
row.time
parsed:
8:03
